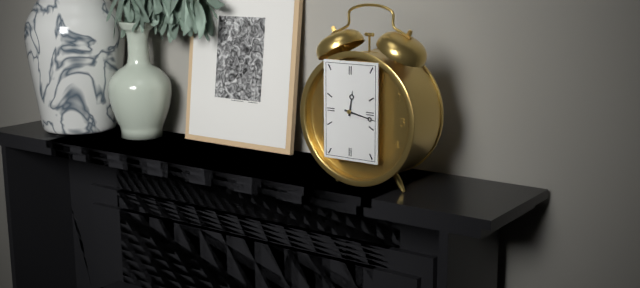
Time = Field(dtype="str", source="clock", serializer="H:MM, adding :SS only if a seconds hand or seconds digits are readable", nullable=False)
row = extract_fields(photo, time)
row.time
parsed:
12:17
